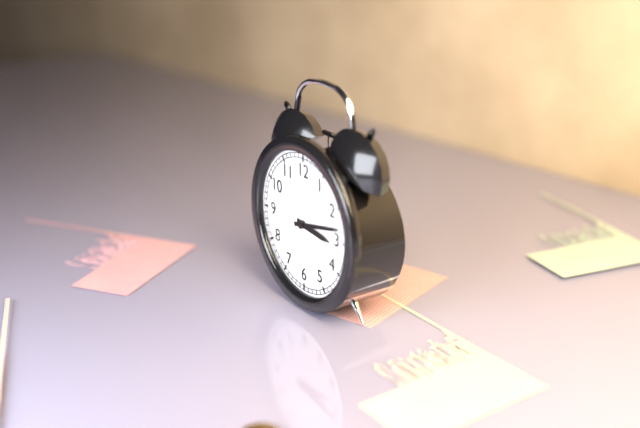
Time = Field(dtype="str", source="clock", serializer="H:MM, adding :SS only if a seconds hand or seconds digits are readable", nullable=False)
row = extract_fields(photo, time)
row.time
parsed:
3:13
